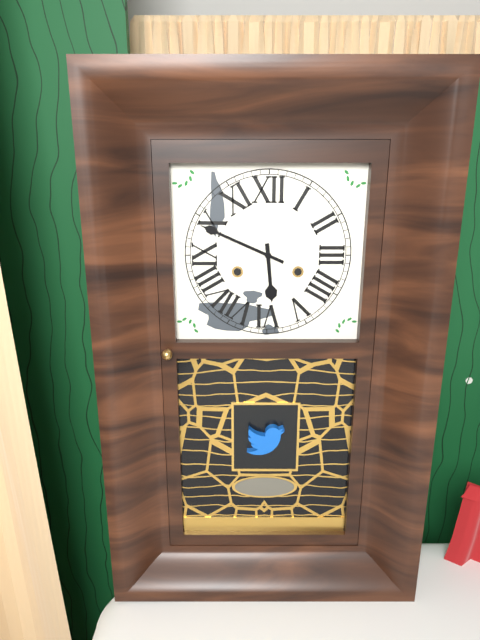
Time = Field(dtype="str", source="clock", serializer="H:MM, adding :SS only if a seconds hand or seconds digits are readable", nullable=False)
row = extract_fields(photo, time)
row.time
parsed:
5:49
